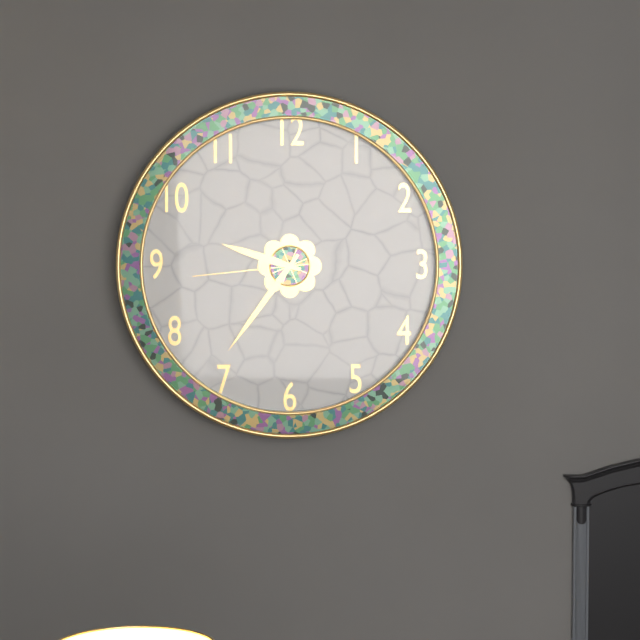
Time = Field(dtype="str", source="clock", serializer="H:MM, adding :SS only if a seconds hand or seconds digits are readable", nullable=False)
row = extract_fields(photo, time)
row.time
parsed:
9:36:44
